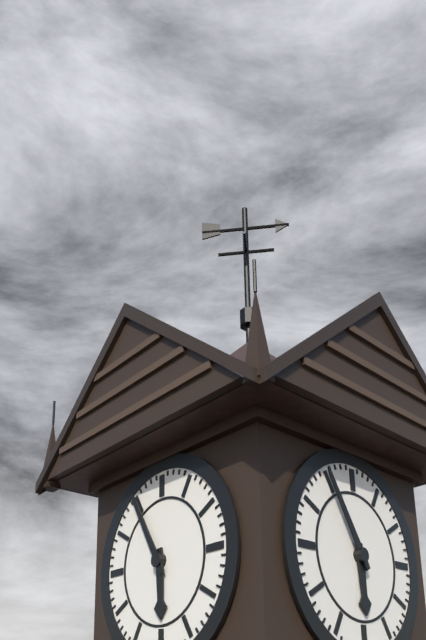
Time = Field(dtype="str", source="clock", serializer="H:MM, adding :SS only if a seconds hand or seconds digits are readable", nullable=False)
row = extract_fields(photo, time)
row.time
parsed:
5:55
